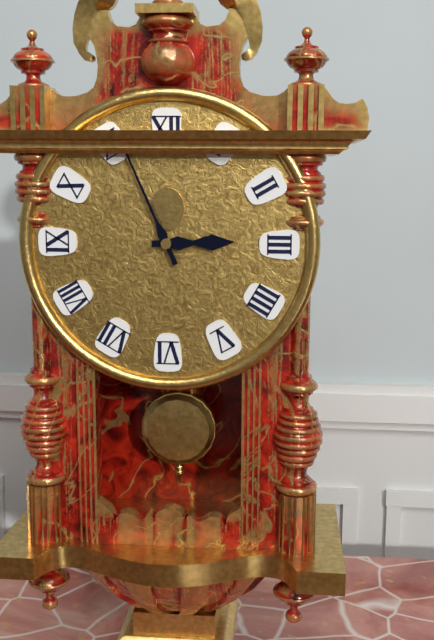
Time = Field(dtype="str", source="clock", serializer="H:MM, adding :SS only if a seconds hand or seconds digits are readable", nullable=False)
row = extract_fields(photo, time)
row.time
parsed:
2:56
